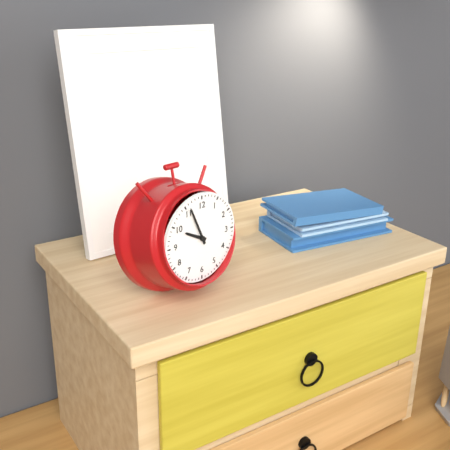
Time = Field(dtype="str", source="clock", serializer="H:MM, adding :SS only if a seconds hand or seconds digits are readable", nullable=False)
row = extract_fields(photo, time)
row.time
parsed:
9:56
